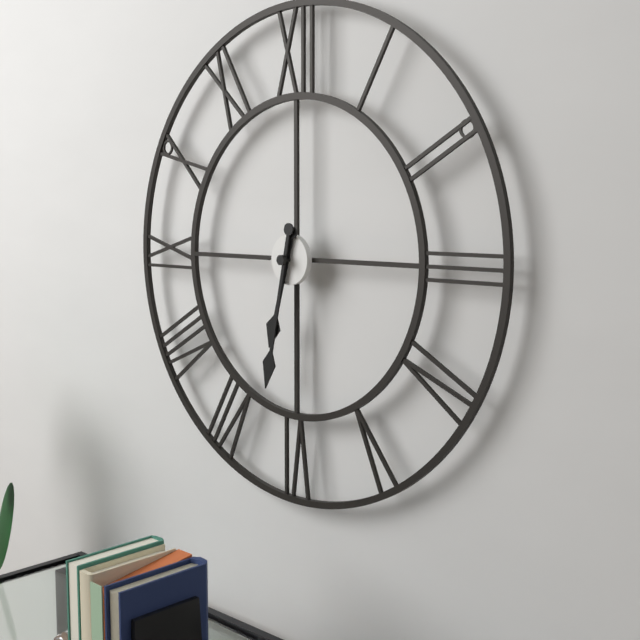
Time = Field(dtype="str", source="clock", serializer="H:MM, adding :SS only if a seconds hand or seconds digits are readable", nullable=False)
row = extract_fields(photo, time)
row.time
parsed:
6:32
